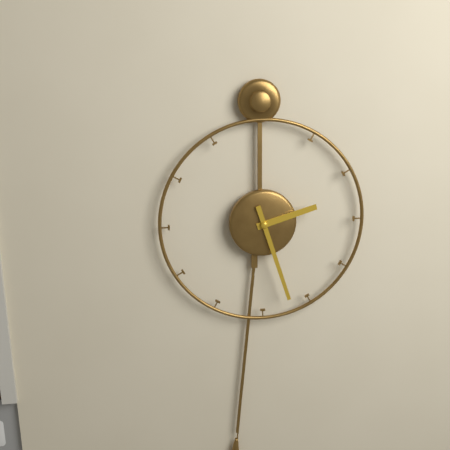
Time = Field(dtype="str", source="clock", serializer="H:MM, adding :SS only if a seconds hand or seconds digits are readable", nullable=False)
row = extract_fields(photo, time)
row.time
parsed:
2:27
